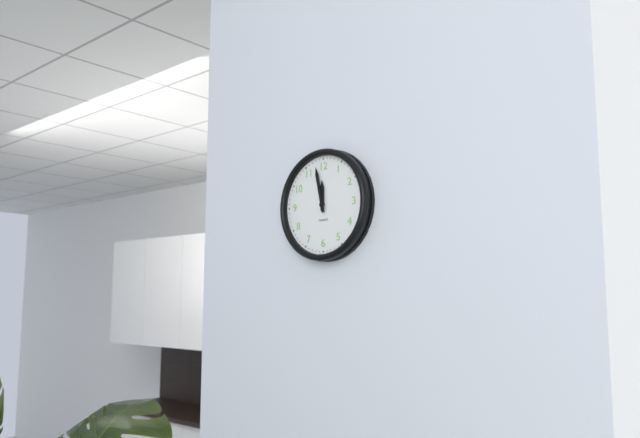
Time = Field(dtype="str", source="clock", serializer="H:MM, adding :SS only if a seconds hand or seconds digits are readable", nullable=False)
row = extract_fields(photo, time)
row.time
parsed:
11:58
